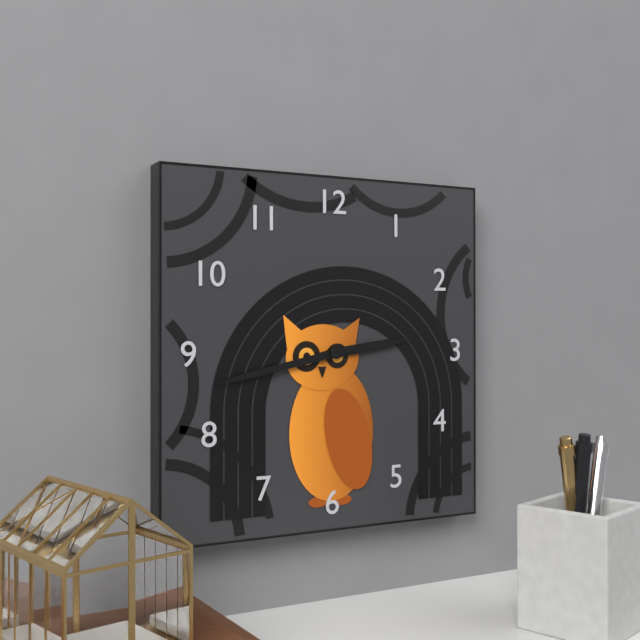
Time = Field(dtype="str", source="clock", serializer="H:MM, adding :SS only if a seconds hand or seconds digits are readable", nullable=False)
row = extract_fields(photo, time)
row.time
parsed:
2:43
